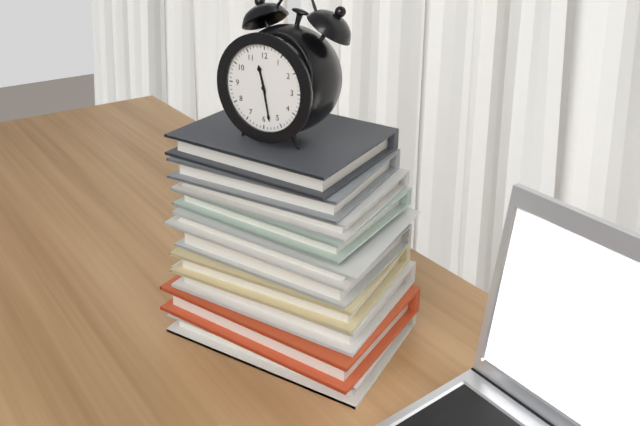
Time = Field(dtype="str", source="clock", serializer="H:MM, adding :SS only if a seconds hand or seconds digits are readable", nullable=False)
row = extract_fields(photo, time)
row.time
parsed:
11:28
